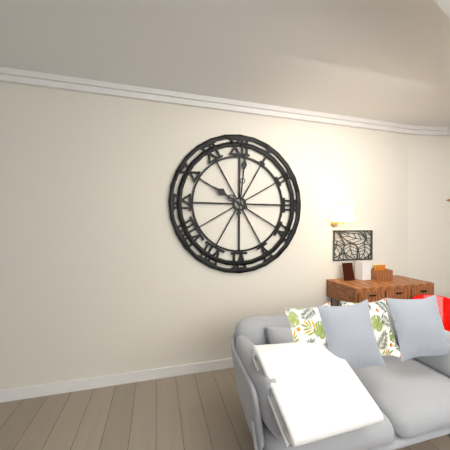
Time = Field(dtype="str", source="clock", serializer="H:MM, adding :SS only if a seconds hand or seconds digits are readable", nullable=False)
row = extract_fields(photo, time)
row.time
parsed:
10:01
